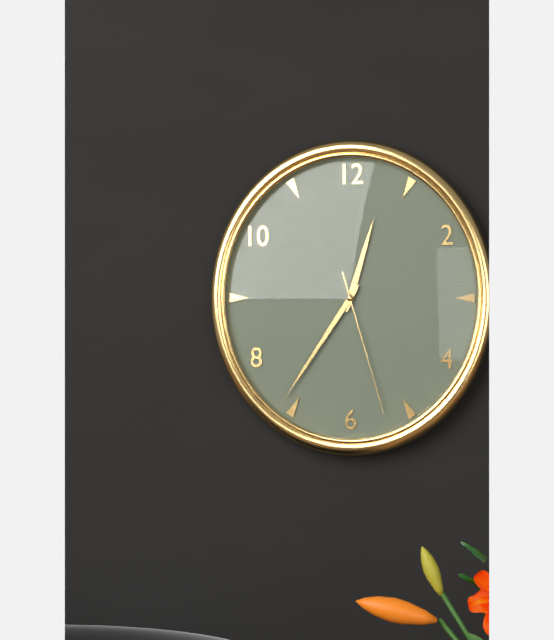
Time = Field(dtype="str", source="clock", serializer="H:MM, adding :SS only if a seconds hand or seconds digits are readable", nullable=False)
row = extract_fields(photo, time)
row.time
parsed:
12:36:27
